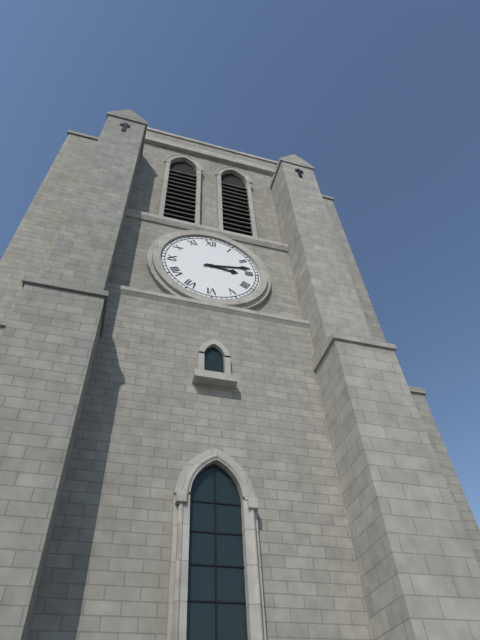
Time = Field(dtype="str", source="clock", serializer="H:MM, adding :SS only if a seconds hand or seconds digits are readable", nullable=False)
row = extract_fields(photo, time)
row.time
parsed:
3:13
